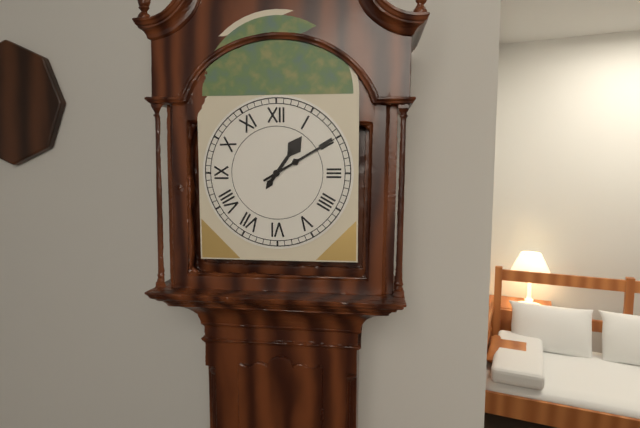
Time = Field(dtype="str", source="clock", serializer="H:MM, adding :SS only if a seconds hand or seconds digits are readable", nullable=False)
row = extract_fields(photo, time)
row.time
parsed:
1:10
